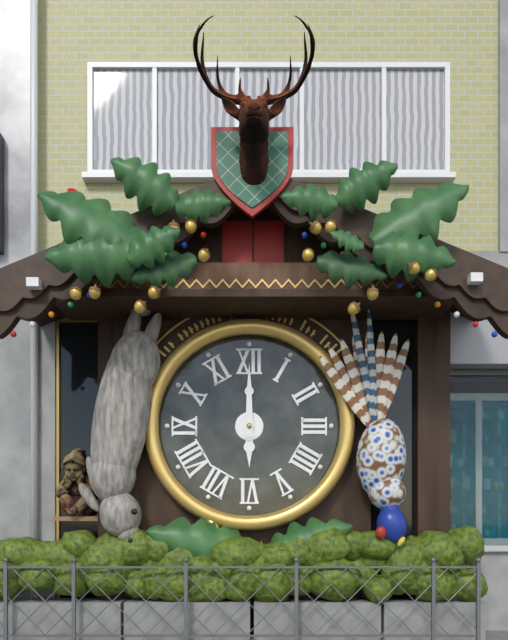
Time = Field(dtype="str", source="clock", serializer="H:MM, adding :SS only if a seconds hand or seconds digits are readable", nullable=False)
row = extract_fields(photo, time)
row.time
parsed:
6:00
